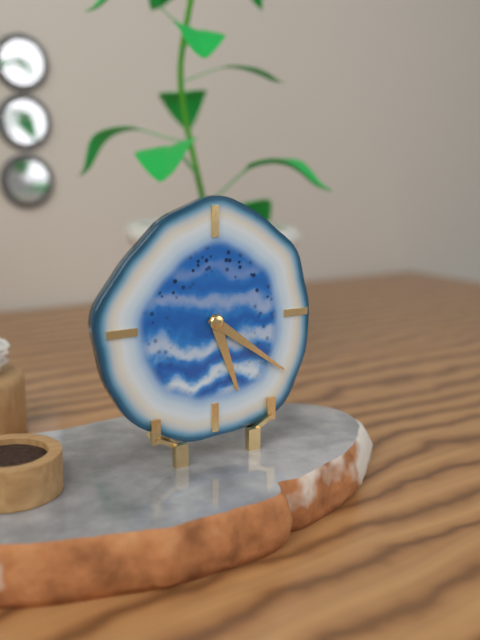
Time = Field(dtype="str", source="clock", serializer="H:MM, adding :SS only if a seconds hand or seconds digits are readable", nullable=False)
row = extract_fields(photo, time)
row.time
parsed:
5:21
